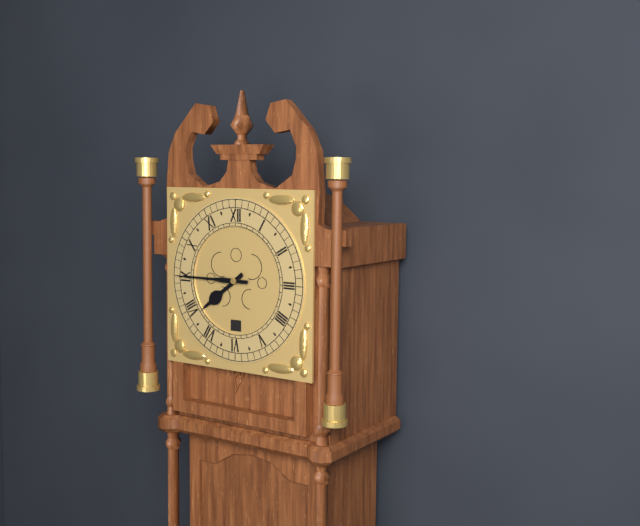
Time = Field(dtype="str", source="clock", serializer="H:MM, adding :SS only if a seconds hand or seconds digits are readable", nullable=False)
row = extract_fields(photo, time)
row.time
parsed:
7:45
